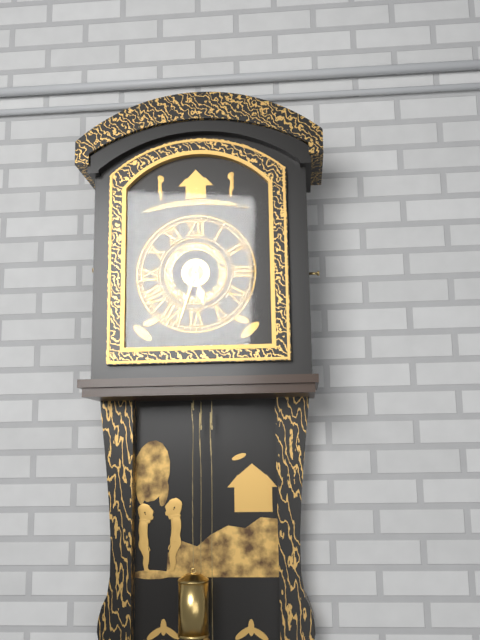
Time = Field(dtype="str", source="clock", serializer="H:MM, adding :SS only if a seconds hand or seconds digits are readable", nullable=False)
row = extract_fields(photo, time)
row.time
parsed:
5:33
